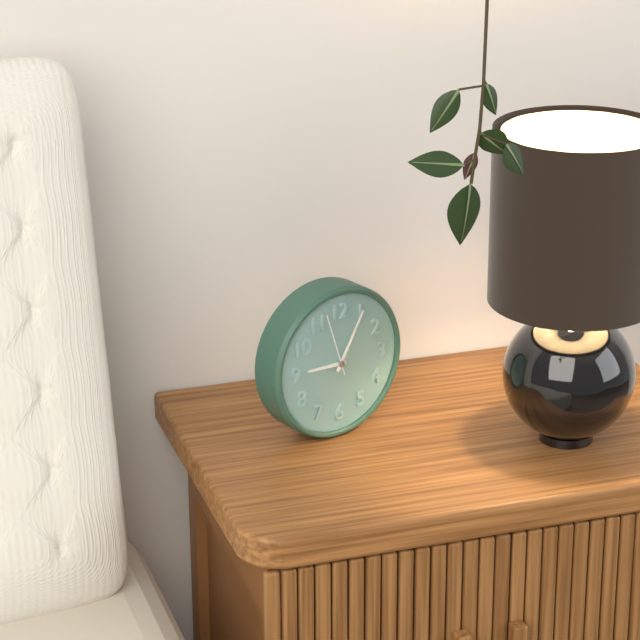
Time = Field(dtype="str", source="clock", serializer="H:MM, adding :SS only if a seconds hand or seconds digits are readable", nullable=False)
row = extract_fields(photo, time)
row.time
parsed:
9:05:57
